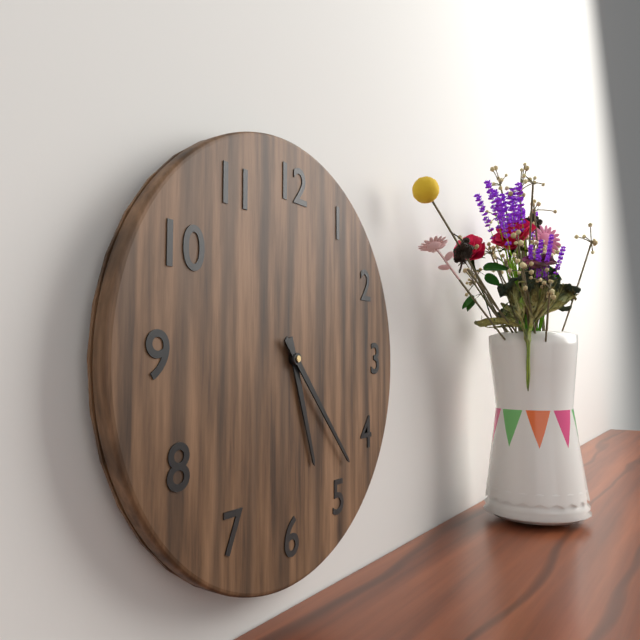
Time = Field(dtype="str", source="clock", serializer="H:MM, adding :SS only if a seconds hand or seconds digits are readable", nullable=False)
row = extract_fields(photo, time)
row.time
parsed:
5:23
